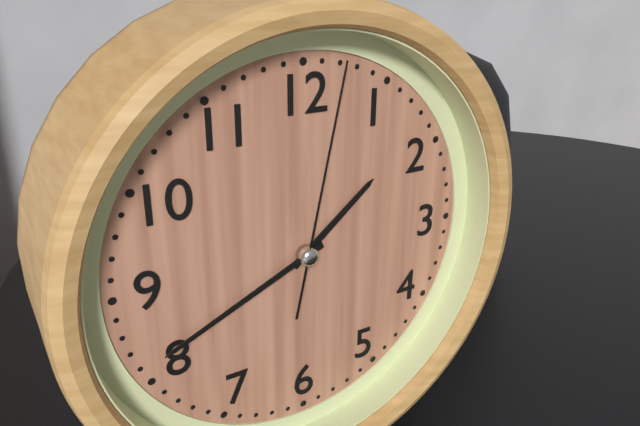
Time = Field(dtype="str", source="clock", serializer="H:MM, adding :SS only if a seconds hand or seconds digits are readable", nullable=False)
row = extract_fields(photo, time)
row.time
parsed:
1:41:02
